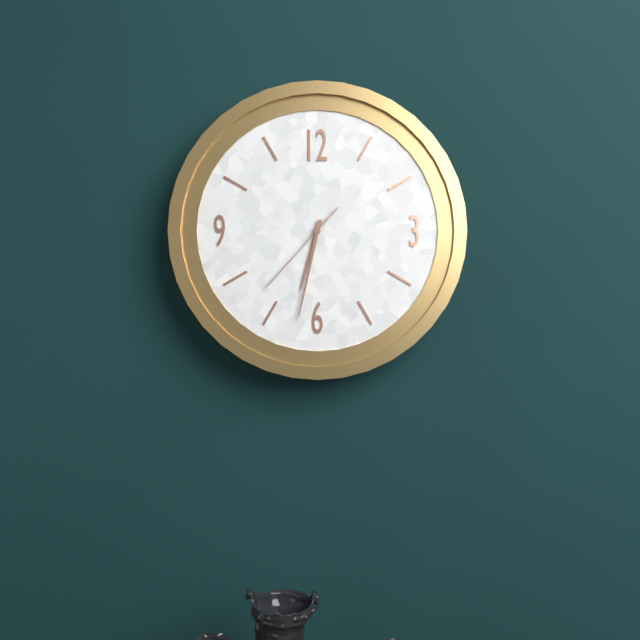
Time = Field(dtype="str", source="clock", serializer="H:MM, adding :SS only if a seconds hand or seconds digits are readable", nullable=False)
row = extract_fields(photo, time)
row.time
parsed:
6:32:37
